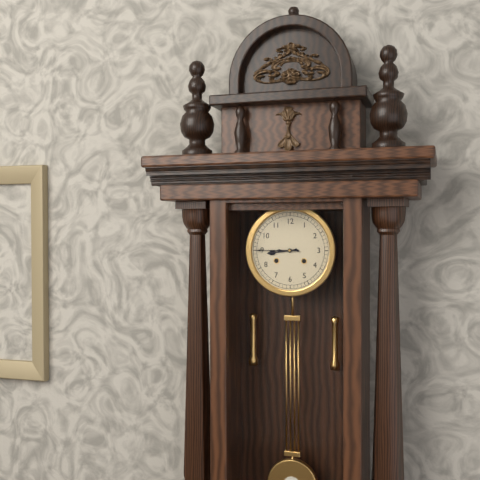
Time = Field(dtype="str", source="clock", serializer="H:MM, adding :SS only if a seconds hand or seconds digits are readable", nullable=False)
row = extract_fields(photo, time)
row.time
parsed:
8:45
